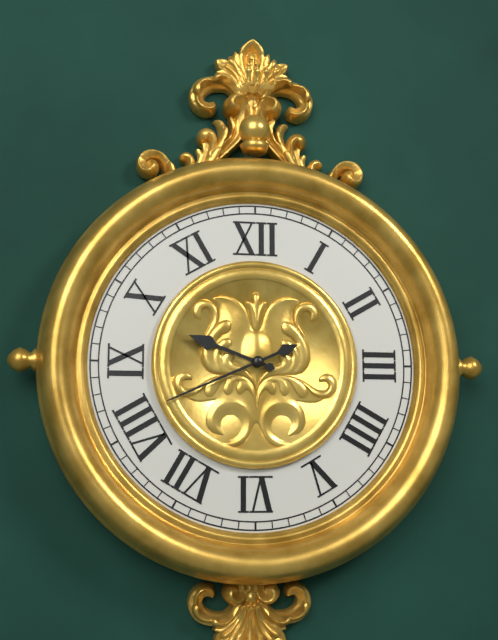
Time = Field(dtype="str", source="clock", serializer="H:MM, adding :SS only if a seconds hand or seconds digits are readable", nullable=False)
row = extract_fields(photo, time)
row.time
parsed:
9:41
